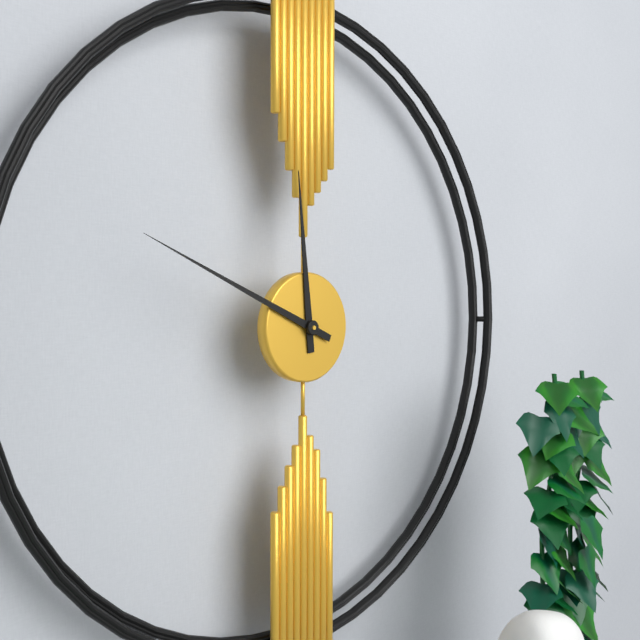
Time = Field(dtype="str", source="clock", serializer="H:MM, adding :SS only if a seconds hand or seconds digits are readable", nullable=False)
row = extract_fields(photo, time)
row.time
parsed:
11:49
